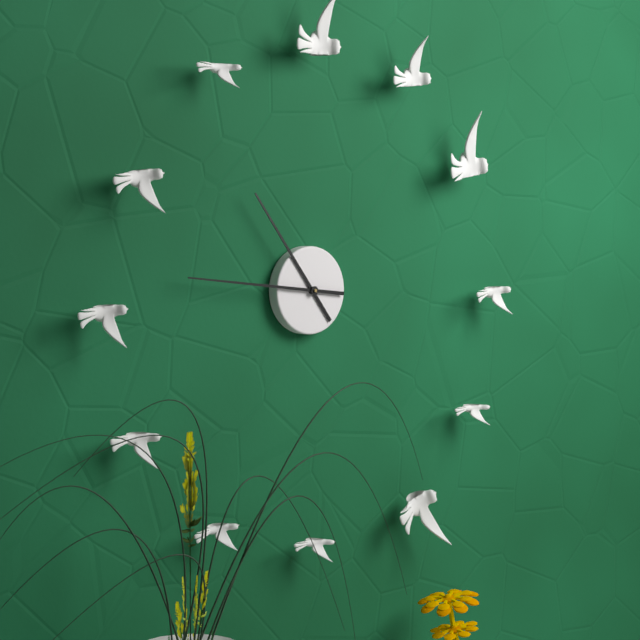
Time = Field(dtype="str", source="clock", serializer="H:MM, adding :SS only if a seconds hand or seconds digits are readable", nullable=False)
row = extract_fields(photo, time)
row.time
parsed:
10:46
